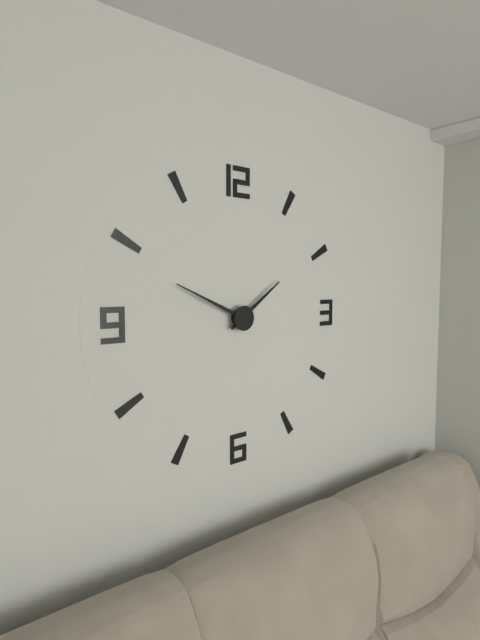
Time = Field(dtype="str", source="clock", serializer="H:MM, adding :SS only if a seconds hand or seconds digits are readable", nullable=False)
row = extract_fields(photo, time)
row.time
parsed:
1:49
